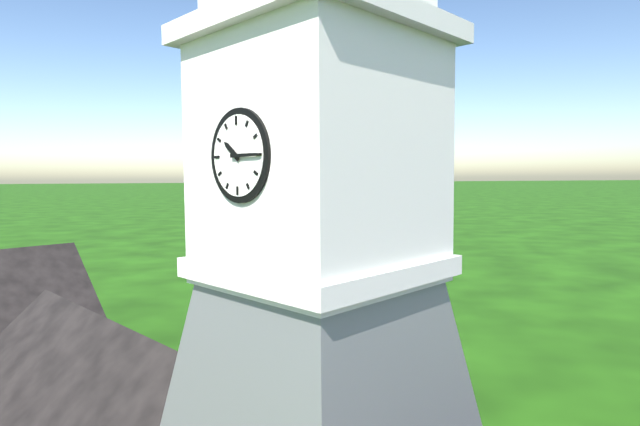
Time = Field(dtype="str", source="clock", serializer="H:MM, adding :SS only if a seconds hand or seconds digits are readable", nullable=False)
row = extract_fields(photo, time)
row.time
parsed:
10:15
